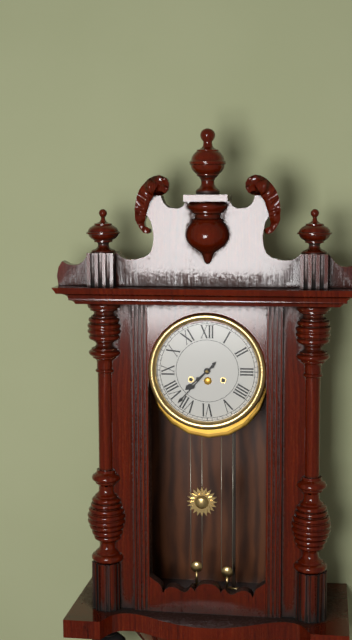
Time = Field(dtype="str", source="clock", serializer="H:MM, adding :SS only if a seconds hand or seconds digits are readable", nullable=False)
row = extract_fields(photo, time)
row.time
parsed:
7:37
